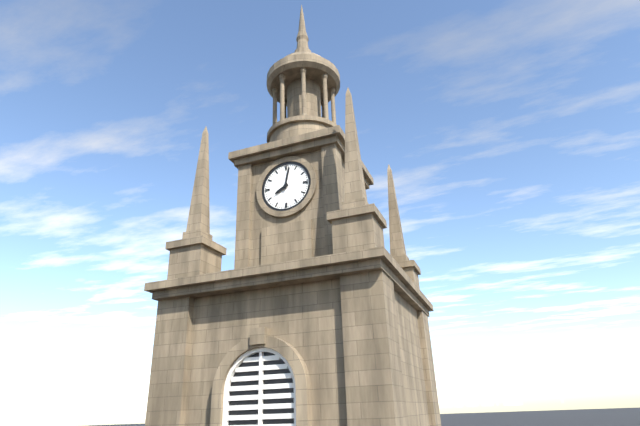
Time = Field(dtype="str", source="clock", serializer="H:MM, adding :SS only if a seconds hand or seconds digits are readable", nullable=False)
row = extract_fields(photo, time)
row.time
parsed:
8:02
